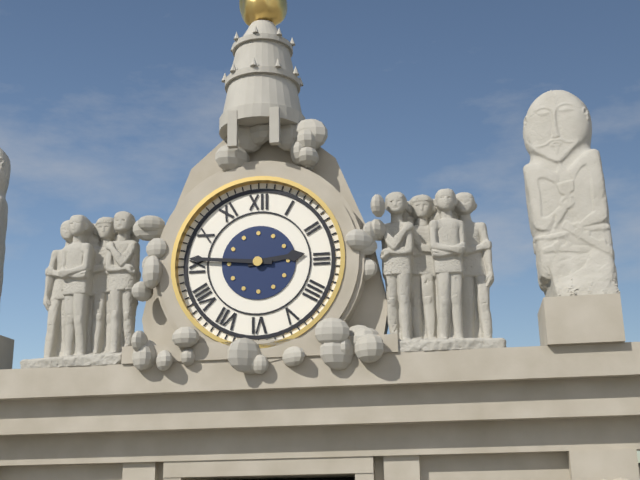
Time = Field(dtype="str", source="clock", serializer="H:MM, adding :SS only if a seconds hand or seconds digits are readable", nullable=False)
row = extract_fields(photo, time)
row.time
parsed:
2:46
